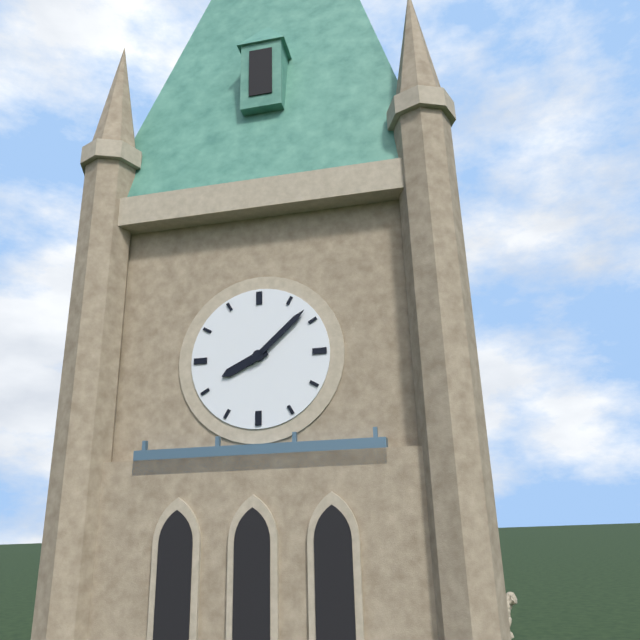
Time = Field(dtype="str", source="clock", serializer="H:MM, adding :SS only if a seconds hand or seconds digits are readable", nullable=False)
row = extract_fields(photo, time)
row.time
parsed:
8:08
